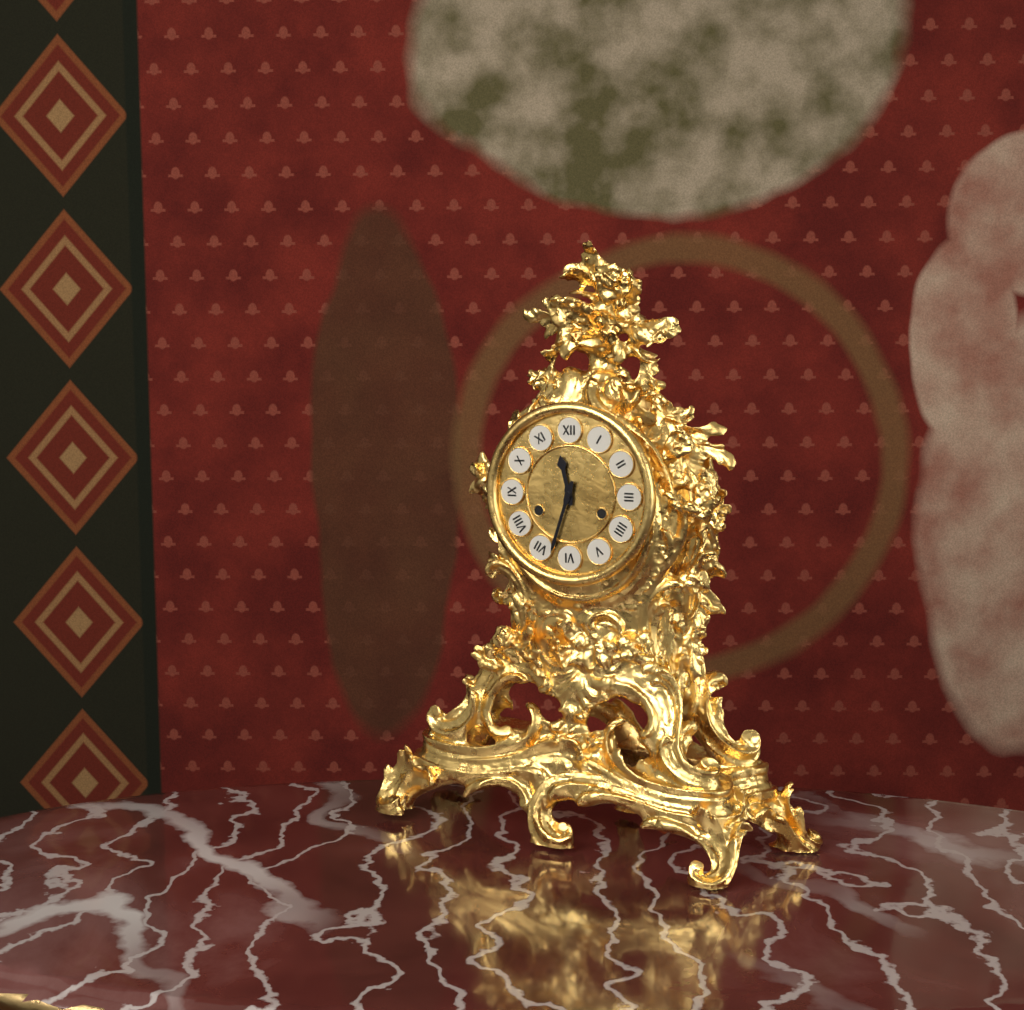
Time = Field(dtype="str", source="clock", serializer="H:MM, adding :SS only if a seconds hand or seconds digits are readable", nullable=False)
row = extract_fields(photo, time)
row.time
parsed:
11:33
